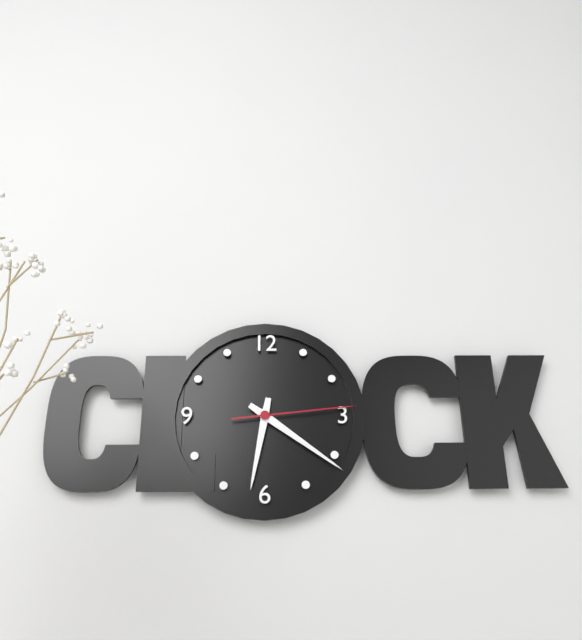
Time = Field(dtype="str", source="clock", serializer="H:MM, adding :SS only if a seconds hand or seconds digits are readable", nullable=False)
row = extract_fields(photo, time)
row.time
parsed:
6:21:14
